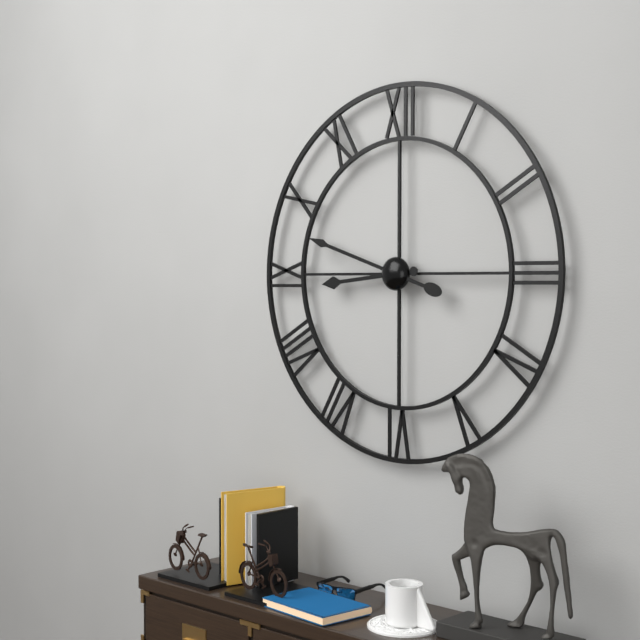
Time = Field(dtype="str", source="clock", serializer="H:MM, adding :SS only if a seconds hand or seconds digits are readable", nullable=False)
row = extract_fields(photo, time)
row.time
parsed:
8:48
